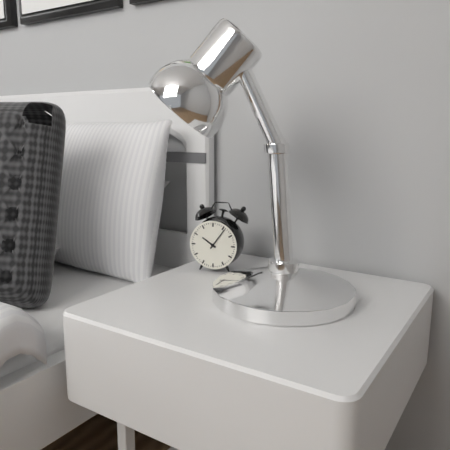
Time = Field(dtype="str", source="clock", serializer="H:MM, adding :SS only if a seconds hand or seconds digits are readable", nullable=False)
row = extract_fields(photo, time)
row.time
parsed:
10:06
